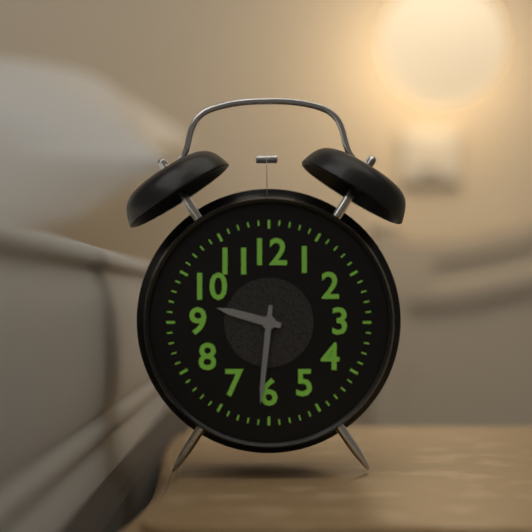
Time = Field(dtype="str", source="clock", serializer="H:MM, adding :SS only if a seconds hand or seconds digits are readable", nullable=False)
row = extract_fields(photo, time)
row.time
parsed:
9:31
